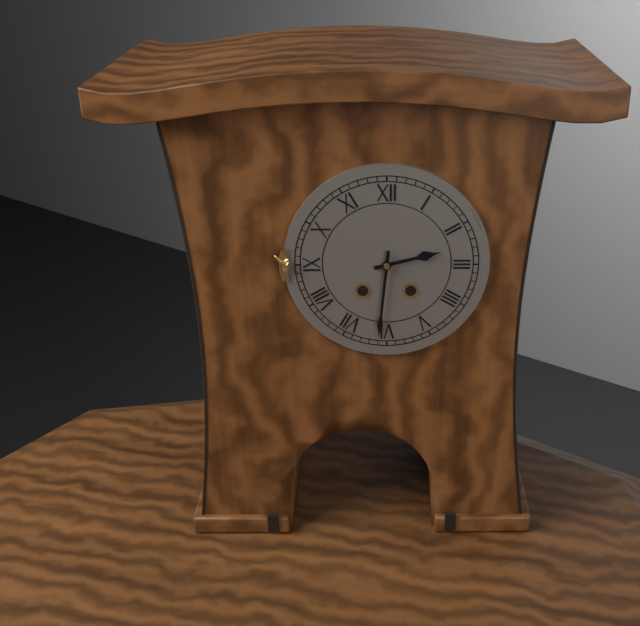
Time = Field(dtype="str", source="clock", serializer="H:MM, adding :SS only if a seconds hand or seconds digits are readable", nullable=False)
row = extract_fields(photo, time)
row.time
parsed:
2:31
